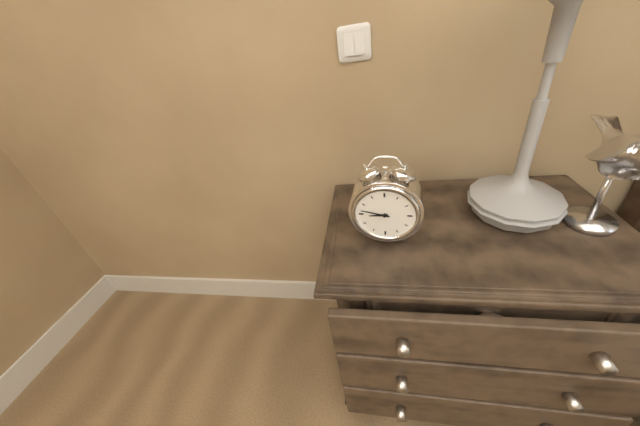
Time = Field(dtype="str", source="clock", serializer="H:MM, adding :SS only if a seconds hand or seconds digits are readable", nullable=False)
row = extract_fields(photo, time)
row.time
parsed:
8:47
